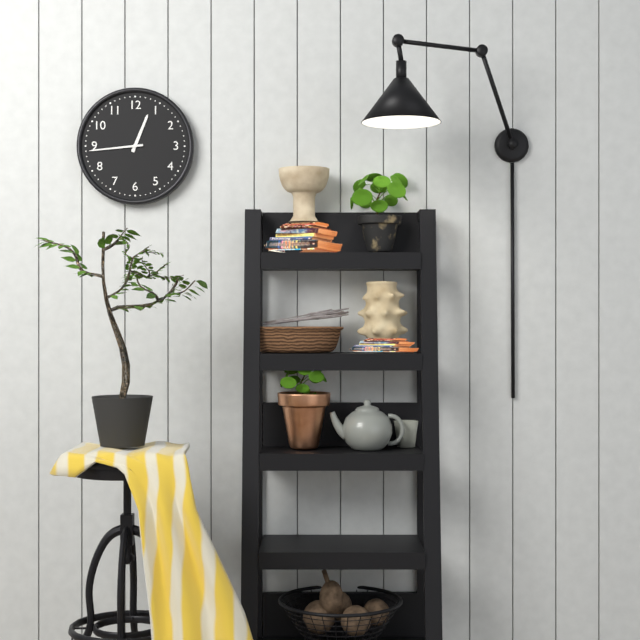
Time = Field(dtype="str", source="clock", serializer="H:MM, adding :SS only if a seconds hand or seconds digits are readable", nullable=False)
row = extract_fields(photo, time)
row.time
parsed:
12:44
